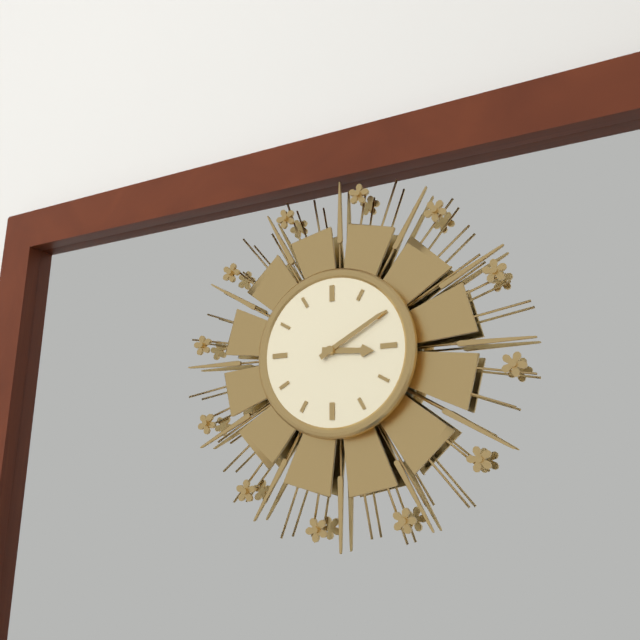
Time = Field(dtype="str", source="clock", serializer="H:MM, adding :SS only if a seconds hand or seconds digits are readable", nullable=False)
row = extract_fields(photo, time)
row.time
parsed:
3:10
